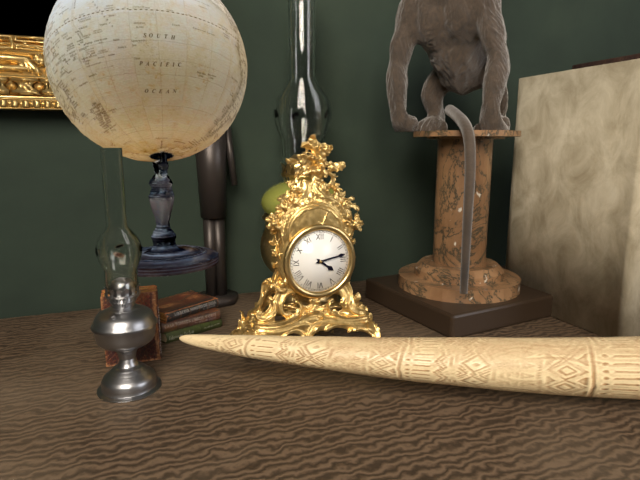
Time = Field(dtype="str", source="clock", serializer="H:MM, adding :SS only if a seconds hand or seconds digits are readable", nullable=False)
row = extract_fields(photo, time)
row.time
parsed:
4:13
